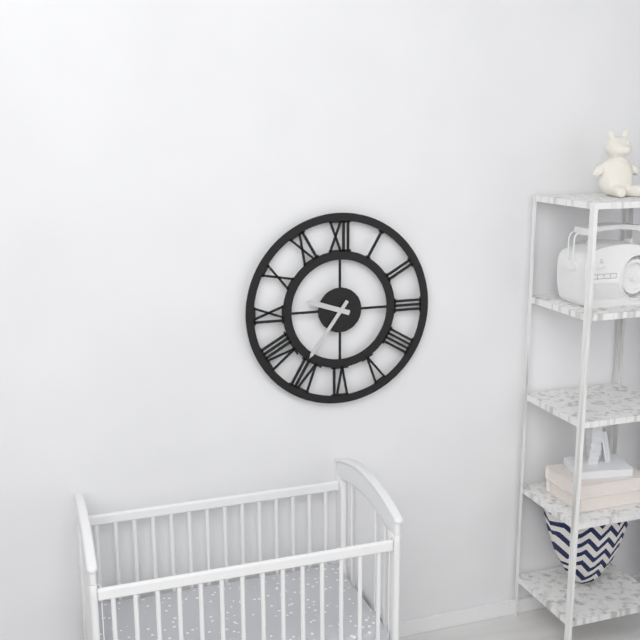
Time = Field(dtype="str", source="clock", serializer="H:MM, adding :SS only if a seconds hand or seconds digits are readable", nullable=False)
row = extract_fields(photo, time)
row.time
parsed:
9:36
